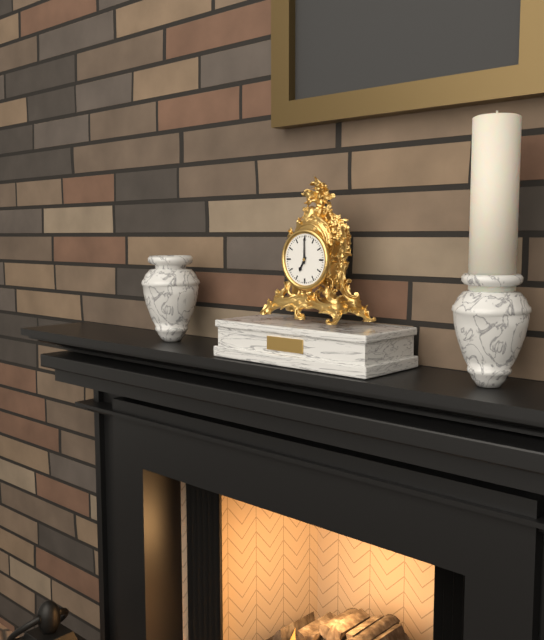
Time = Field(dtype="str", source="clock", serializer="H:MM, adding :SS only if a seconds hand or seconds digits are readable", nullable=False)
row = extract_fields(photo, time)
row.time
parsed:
7:00
